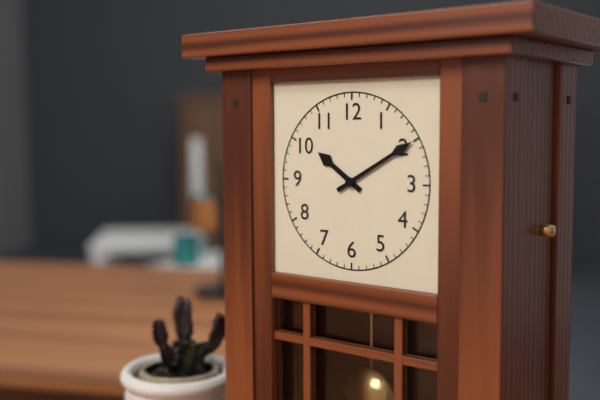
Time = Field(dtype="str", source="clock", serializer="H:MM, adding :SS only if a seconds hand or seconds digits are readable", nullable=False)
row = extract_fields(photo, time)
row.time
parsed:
10:10
